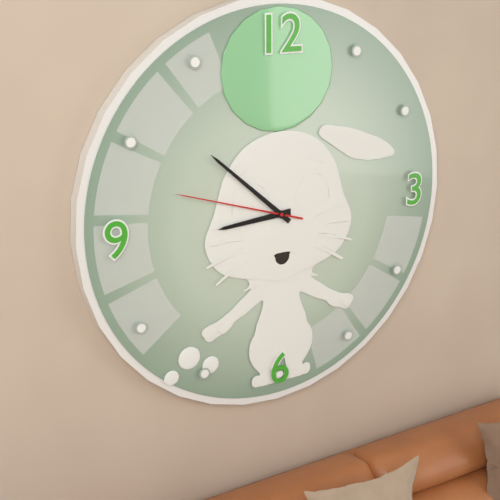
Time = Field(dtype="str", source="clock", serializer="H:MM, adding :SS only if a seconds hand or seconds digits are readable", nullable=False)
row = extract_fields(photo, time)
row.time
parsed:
8:52:48
